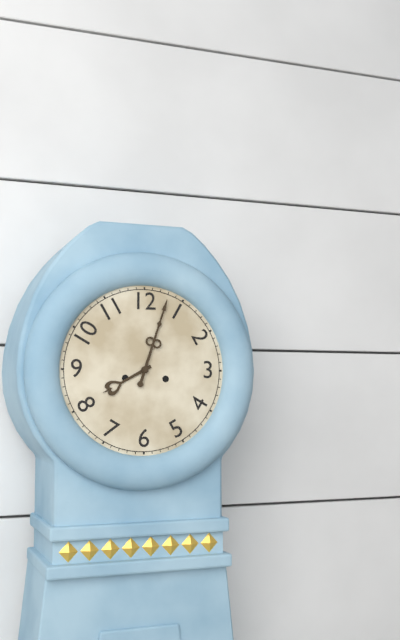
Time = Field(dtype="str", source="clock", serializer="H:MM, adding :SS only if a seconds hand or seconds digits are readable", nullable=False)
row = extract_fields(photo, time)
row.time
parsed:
8:03
